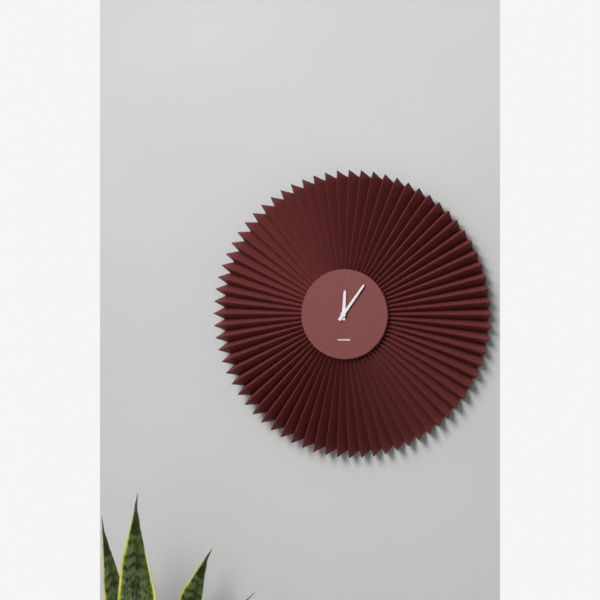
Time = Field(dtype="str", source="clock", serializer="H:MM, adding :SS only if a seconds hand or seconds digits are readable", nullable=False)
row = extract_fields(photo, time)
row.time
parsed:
12:06
